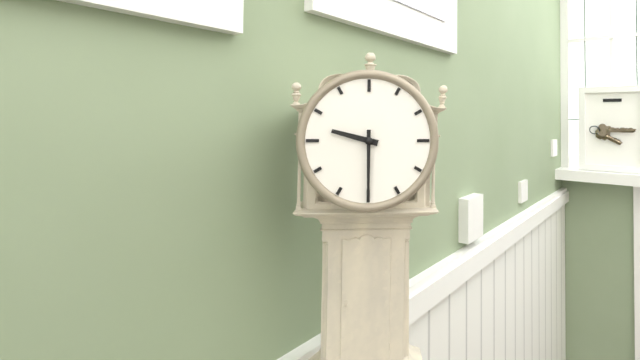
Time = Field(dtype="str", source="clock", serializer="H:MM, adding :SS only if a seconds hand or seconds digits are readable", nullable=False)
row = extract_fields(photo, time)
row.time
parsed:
9:30
